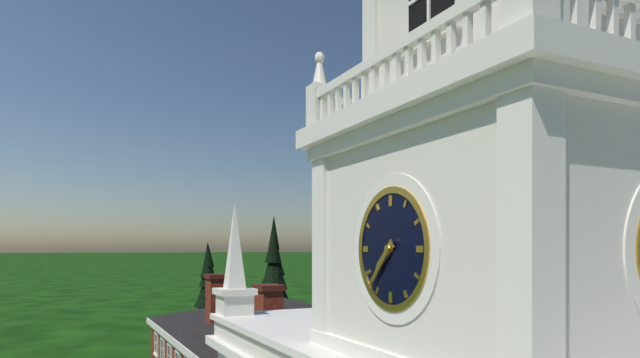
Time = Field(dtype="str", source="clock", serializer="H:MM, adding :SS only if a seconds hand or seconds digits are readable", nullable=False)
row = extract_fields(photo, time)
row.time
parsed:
7:37
